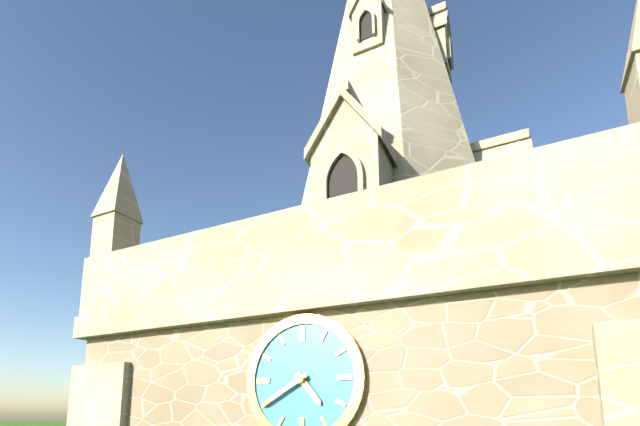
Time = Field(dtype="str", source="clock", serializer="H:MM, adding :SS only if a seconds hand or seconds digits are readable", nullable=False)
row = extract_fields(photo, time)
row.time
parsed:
4:40
